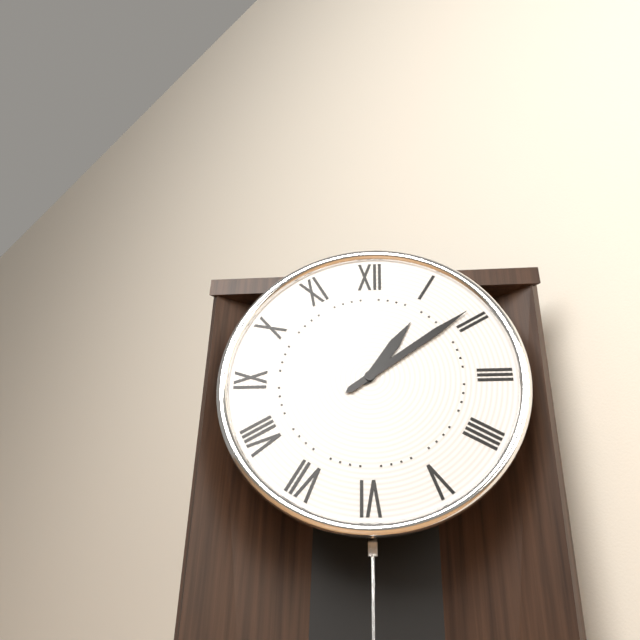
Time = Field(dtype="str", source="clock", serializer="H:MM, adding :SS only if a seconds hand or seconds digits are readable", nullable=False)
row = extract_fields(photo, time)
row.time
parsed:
1:09
